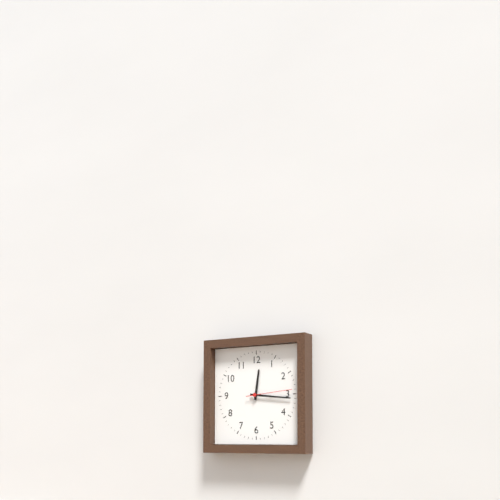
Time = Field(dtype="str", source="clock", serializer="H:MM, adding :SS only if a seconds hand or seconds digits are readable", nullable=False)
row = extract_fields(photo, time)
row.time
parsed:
12:16
